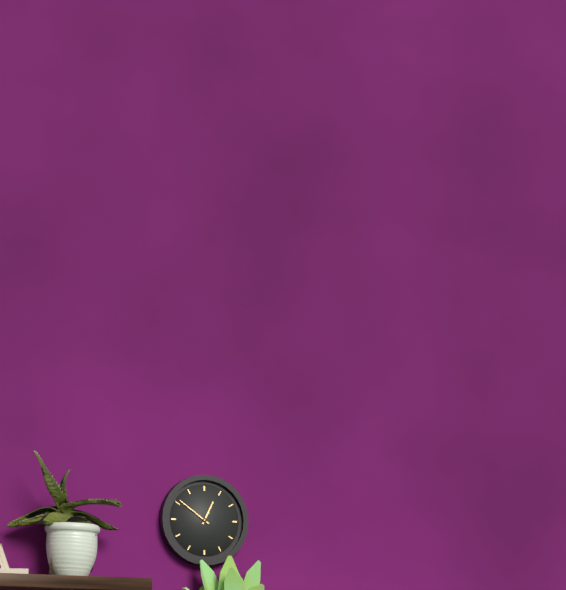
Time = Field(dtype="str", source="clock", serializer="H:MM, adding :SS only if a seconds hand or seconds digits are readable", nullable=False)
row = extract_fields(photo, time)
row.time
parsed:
12:51
